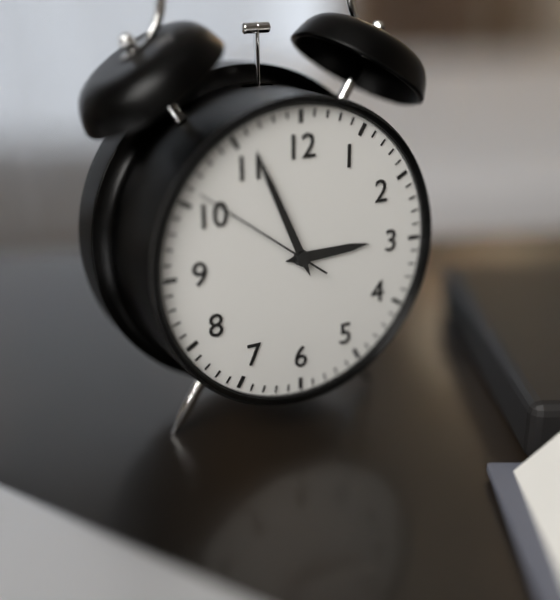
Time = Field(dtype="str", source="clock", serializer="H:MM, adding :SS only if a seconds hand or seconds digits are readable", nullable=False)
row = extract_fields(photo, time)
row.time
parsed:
2:56:51
